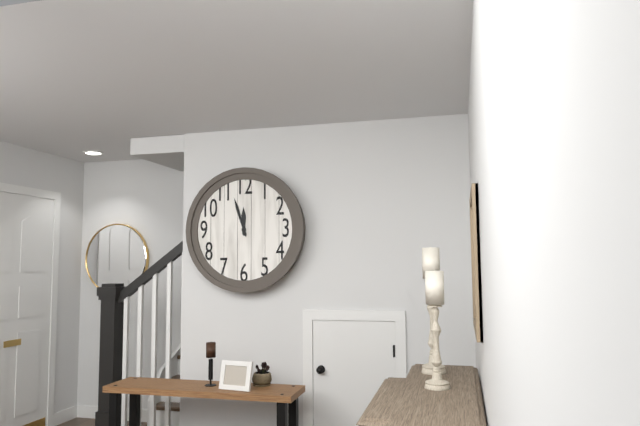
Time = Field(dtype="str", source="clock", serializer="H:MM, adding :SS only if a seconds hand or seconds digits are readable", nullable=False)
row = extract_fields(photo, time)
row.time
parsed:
11:57
